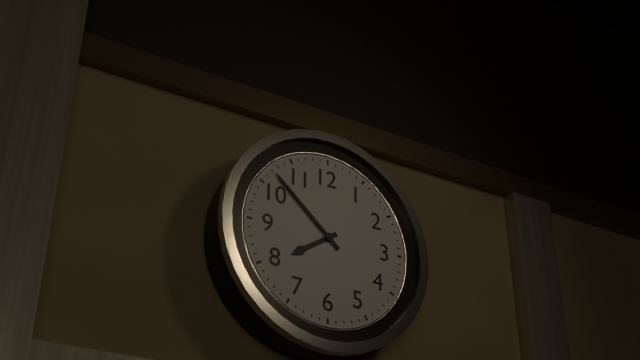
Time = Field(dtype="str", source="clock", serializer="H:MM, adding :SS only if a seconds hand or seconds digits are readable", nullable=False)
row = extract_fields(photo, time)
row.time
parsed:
7:52
